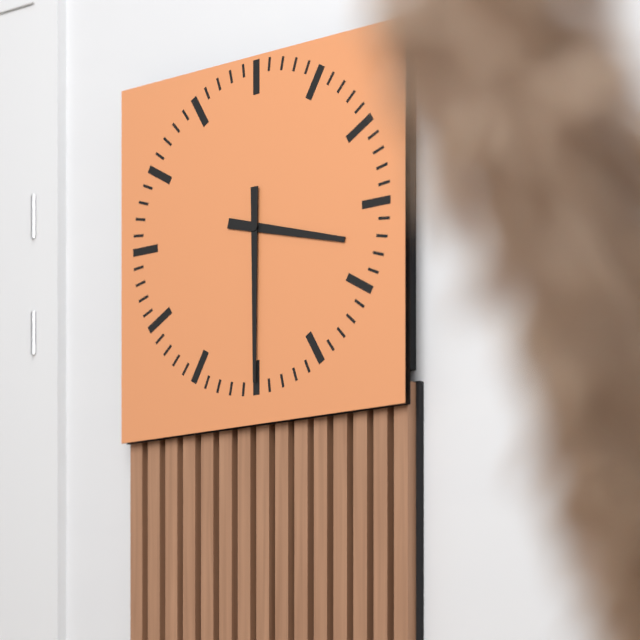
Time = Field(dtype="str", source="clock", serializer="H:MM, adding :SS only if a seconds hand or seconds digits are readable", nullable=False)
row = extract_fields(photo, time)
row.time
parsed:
3:30
